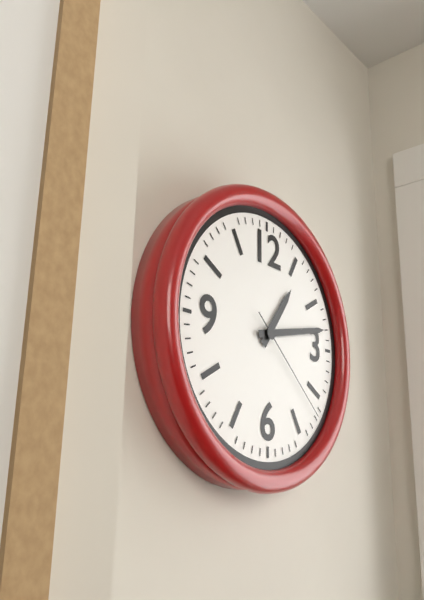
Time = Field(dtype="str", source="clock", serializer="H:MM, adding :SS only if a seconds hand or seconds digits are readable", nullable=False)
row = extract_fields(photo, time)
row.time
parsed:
1:13:22
